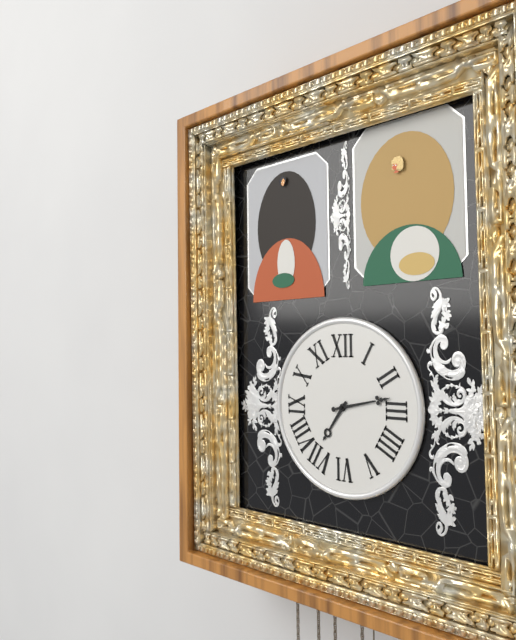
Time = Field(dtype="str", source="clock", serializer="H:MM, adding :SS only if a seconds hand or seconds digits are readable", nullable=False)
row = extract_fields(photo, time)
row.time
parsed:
7:13
